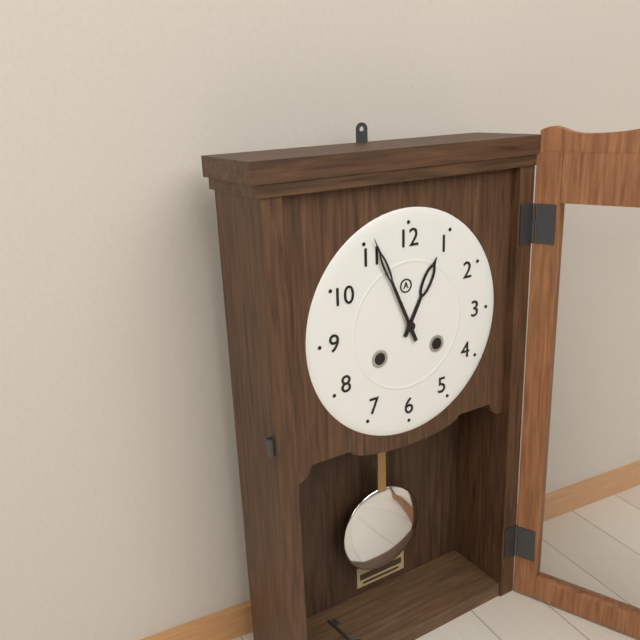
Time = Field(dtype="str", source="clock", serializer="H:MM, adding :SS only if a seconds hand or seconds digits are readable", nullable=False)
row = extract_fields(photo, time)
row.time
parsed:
12:56
